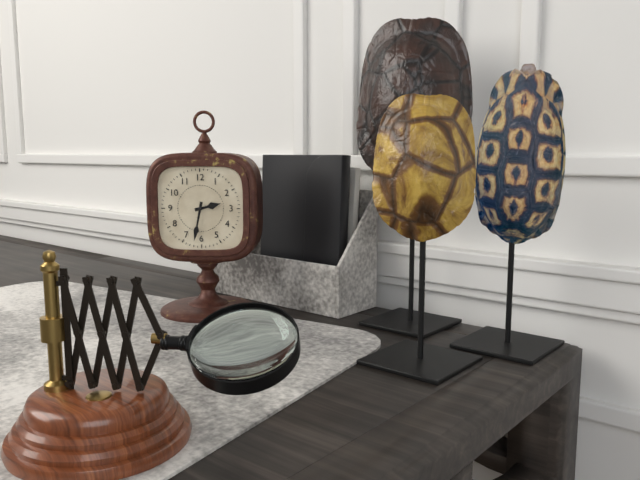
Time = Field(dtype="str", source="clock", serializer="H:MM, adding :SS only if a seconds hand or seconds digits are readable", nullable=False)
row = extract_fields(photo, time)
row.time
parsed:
2:32
